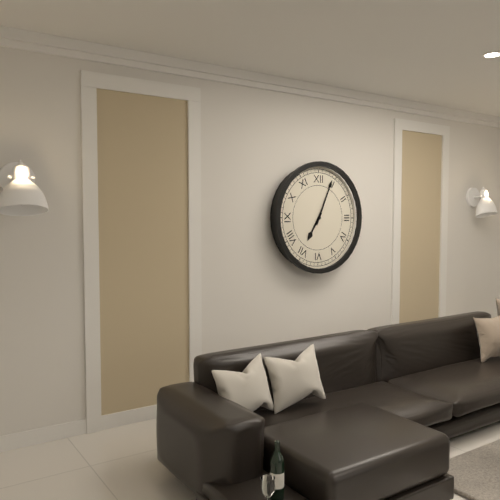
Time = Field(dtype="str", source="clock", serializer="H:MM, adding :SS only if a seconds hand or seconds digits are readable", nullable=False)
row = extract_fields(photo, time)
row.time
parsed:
7:04
